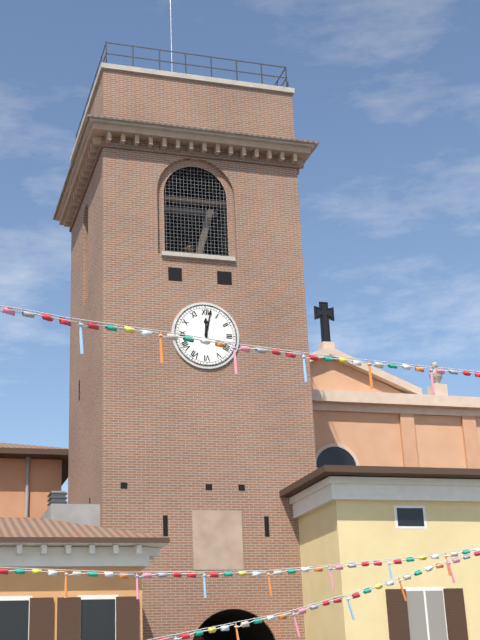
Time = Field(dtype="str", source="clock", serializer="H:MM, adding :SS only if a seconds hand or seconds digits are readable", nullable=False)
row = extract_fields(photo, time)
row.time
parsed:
12:02
